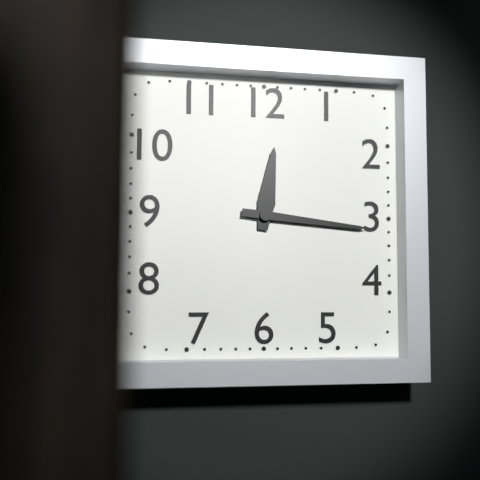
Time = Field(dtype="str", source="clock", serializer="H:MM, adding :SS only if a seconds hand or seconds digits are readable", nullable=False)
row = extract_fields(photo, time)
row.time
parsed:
12:16
